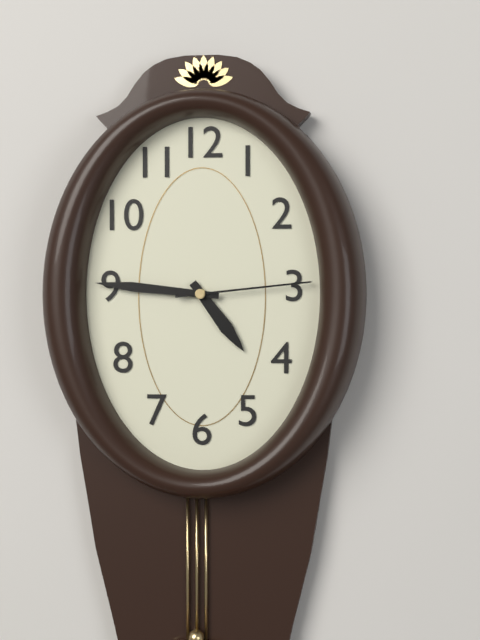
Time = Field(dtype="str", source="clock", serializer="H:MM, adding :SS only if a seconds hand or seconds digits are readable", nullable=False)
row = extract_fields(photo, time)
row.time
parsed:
4:46:14
